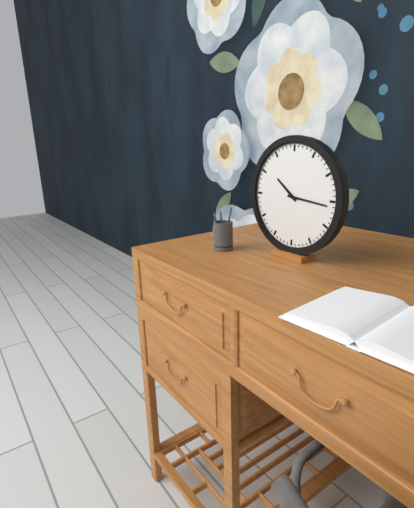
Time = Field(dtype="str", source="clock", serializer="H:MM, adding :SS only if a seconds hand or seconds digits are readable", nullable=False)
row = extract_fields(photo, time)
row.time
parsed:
10:16
